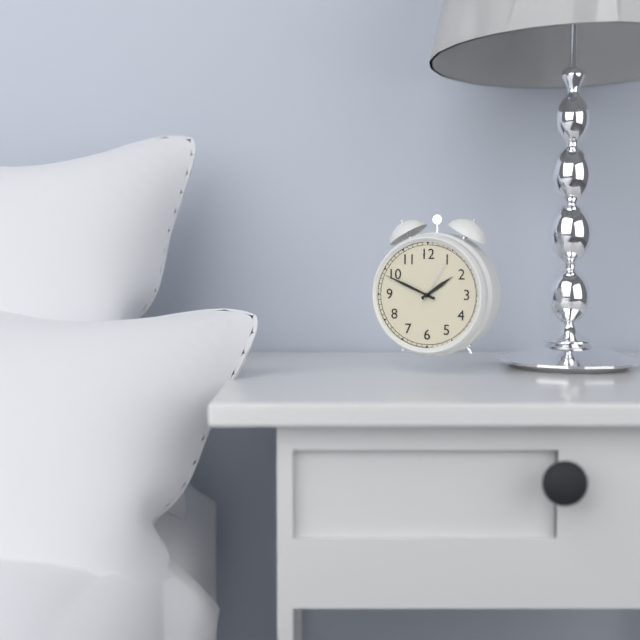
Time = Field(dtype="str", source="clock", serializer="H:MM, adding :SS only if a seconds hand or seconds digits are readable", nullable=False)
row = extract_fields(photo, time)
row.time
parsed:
1:49:05
